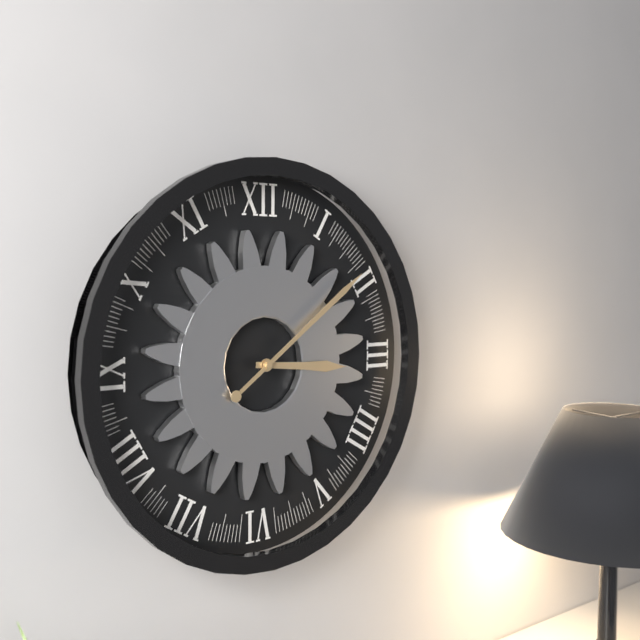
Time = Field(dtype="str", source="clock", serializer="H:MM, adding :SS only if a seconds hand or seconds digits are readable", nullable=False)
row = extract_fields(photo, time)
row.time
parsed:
3:09
